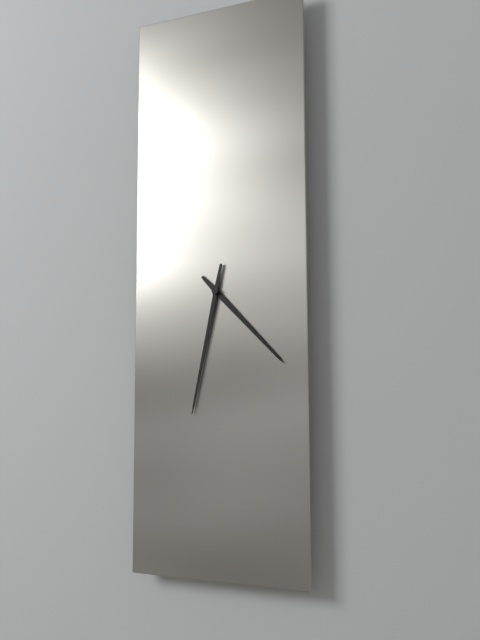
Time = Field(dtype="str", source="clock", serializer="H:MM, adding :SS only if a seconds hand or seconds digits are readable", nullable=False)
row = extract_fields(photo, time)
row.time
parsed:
4:32
